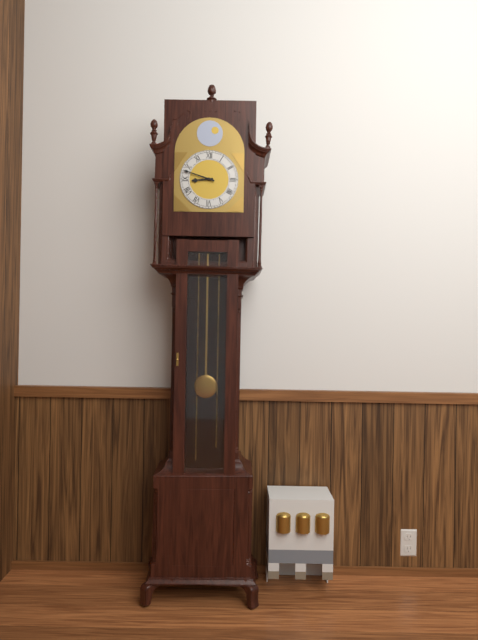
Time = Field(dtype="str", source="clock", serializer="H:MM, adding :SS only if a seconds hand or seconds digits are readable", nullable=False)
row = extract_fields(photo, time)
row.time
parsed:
8:48
